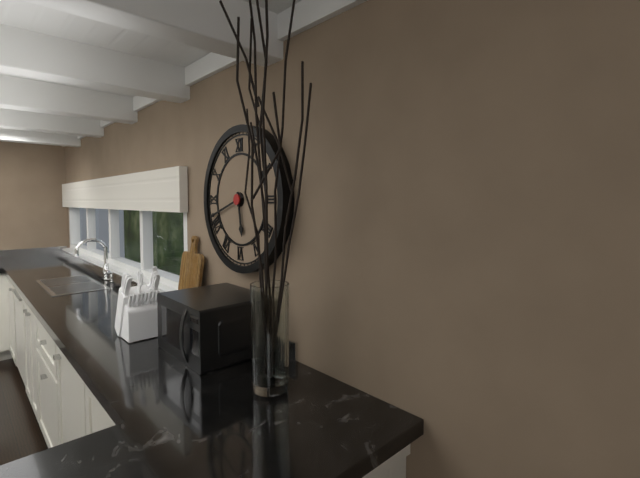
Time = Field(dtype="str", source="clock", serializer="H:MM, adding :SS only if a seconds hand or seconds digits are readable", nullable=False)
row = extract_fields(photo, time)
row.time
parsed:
5:42
